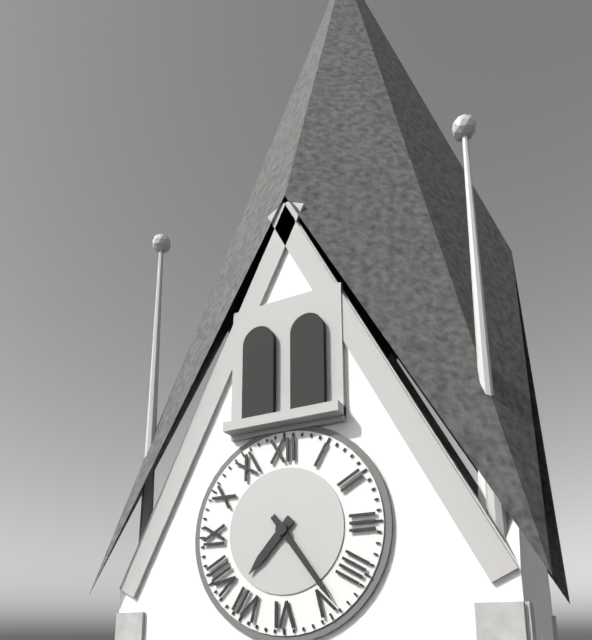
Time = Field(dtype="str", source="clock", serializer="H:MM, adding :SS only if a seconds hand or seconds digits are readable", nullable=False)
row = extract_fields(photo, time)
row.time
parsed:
7:24
